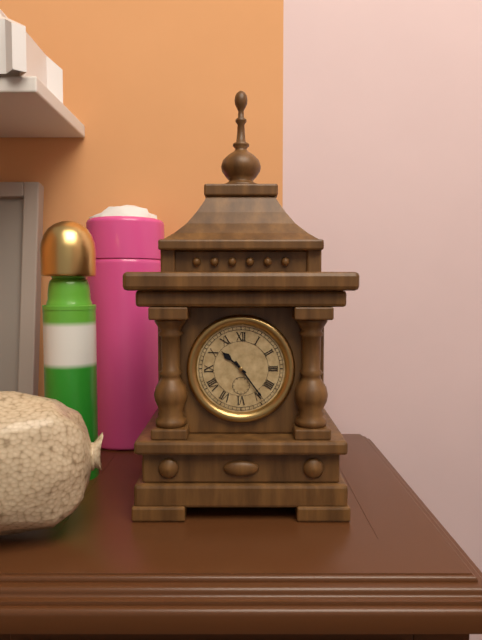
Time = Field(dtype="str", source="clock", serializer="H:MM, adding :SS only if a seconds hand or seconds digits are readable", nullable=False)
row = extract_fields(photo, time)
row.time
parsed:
10:24
